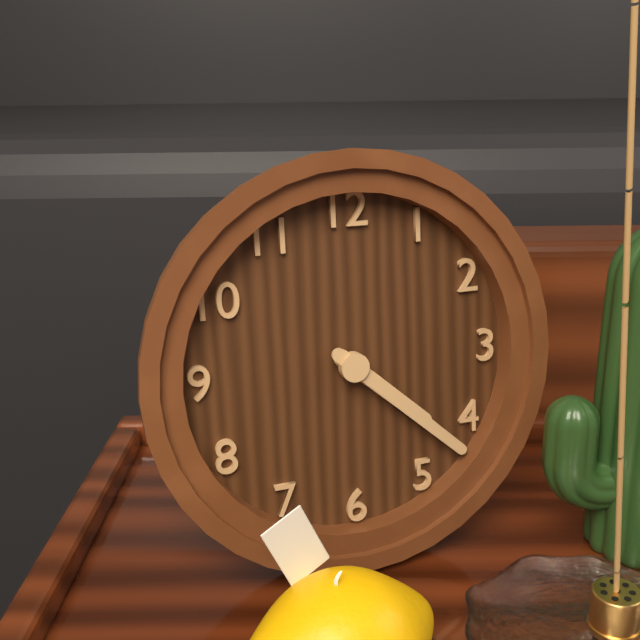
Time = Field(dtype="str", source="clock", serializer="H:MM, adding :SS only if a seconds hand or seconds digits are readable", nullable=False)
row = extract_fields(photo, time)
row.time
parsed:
4:22
